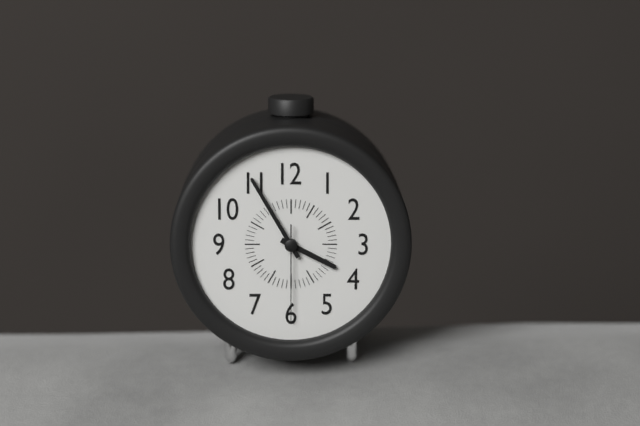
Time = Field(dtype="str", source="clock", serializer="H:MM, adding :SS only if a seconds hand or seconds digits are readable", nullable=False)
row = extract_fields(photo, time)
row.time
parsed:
3:55:30
